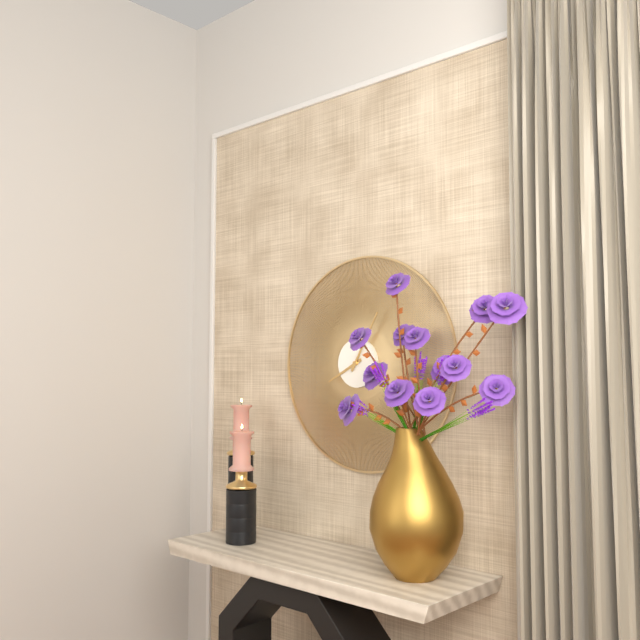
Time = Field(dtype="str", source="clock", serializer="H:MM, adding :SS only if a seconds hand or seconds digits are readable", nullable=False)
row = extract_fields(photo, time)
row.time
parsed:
8:05
